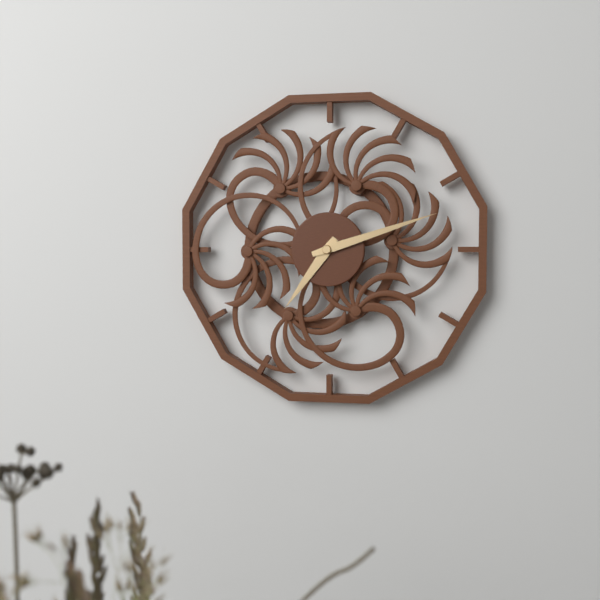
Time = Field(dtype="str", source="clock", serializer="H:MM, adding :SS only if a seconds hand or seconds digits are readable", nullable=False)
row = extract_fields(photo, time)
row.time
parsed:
7:12
